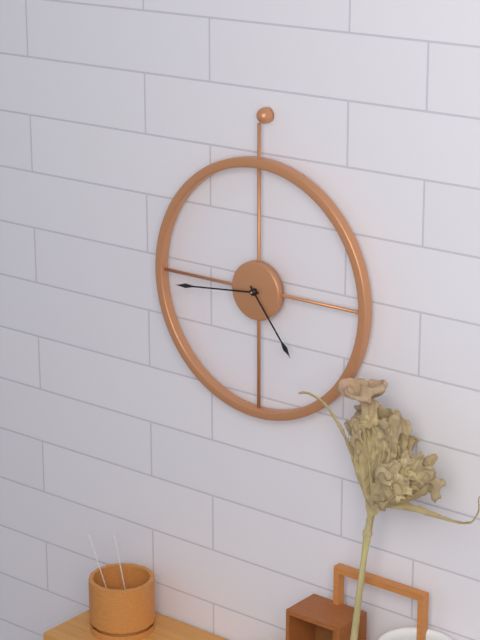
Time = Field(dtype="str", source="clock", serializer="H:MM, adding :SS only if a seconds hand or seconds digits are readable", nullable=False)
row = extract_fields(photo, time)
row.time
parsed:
4:44
